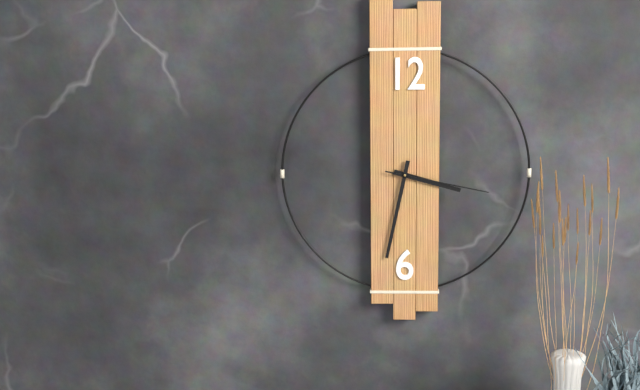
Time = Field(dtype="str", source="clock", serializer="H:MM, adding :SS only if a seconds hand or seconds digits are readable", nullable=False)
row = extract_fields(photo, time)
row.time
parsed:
3:32:17
